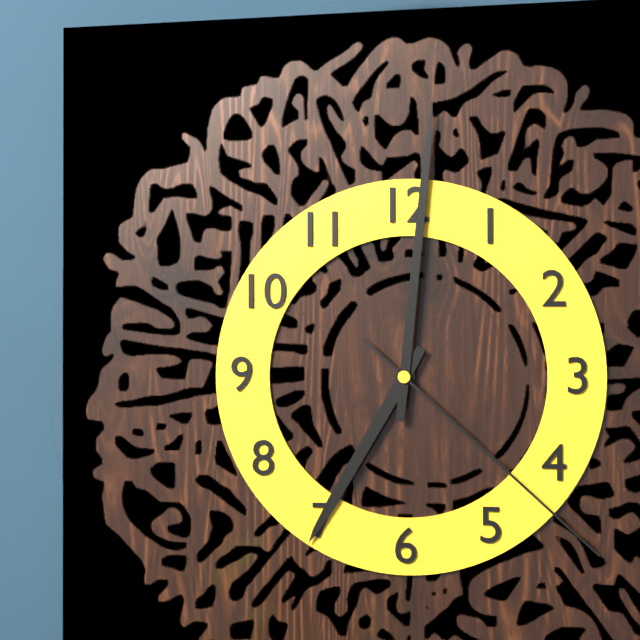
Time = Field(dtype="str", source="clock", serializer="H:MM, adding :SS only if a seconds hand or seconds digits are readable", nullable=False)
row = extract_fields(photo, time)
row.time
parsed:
7:01:22
